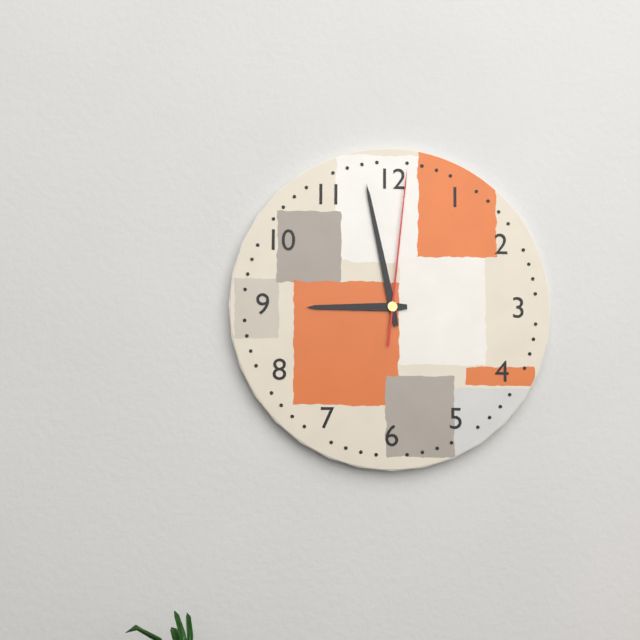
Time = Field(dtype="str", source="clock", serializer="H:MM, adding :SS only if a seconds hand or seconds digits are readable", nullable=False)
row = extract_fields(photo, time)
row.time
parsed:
8:58:01
